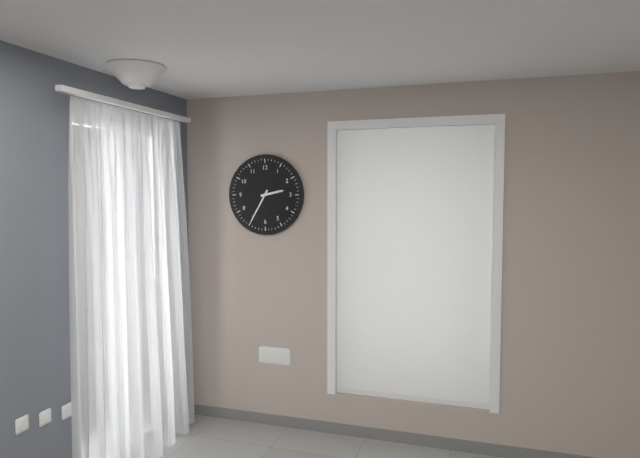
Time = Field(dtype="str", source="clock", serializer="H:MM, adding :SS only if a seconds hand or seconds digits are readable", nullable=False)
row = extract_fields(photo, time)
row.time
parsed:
2:35
